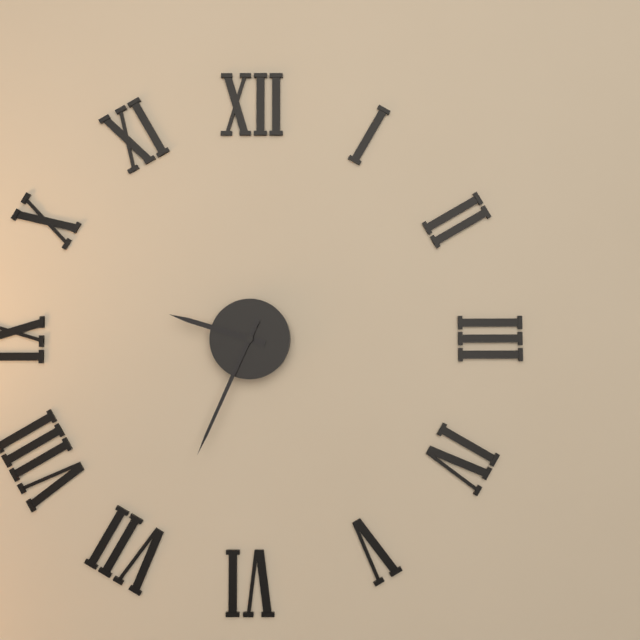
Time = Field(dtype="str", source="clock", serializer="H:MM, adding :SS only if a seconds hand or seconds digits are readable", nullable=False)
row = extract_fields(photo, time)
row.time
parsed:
9:34
